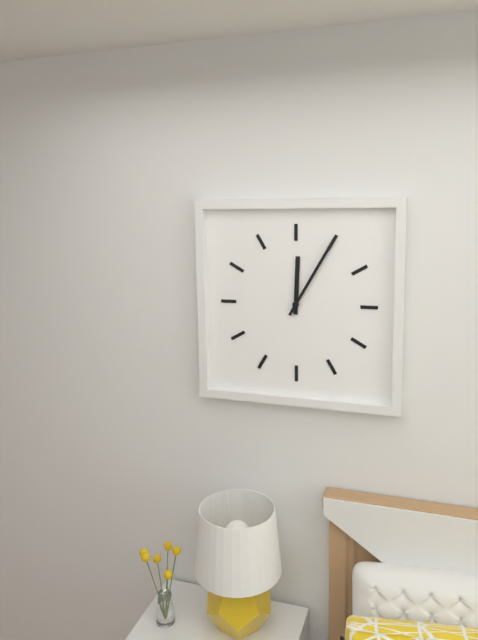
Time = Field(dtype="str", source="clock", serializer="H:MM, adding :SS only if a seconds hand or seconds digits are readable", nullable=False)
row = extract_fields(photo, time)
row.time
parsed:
12:05
